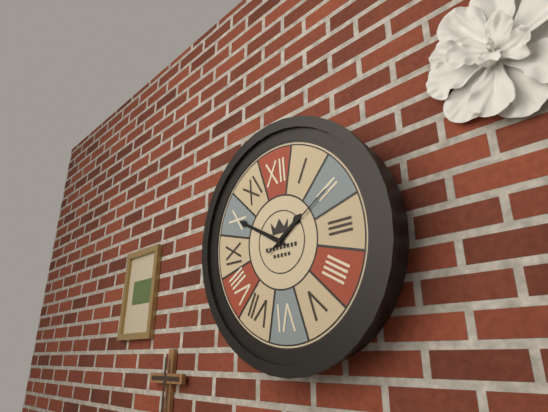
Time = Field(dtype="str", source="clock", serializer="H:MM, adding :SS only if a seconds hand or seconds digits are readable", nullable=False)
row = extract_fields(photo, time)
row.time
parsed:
1:50:10
